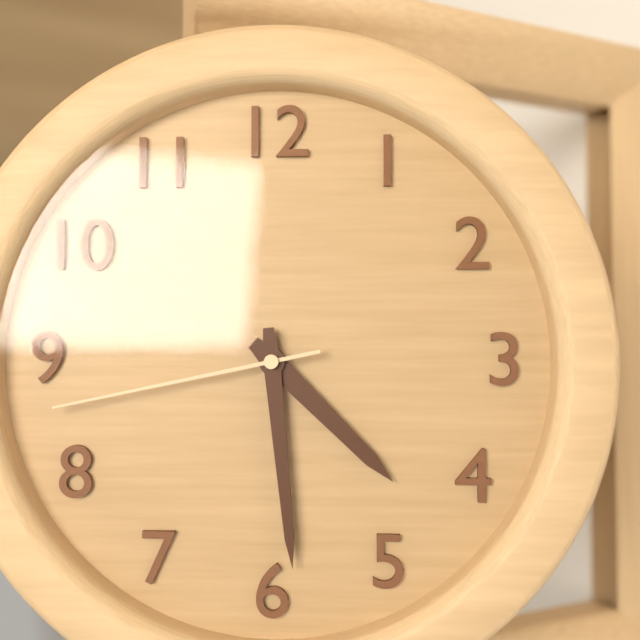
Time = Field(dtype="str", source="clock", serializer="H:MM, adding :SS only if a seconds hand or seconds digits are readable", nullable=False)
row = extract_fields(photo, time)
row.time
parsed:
4:29:43
